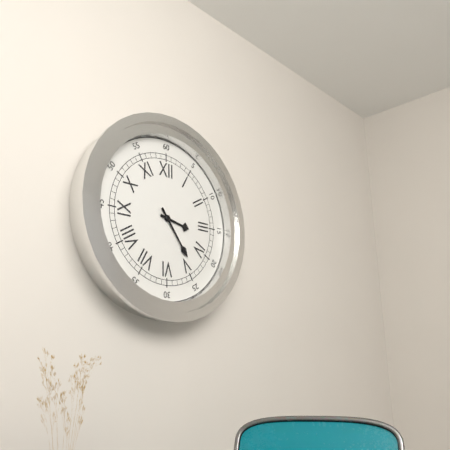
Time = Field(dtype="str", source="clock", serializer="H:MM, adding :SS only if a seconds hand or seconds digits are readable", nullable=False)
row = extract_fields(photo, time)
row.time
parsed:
3:24
